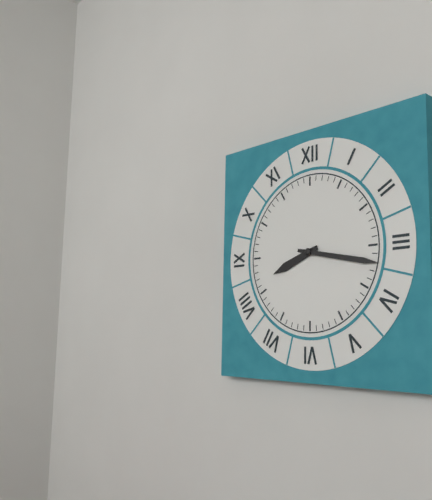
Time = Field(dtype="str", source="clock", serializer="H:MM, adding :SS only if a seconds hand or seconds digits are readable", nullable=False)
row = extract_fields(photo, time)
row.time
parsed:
8:17
